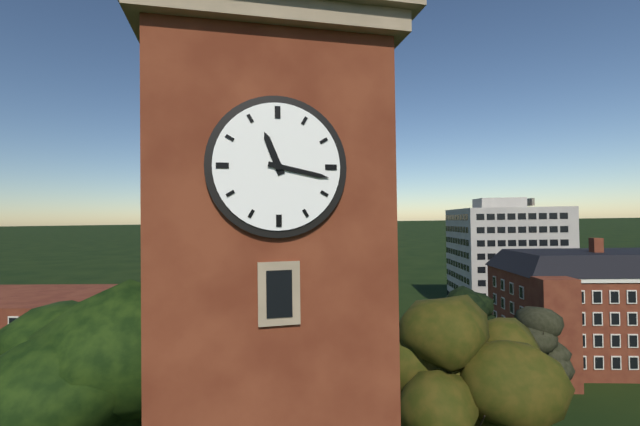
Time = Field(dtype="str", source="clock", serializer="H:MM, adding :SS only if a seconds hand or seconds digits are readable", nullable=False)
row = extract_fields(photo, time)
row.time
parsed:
11:17
